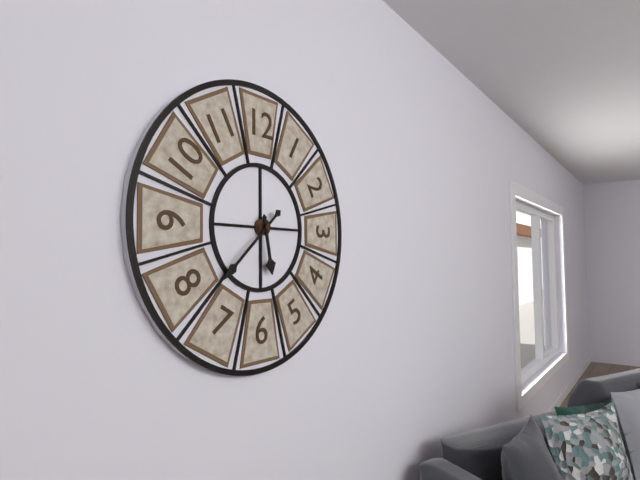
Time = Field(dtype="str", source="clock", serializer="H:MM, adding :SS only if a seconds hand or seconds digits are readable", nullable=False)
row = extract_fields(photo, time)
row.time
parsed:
5:38
